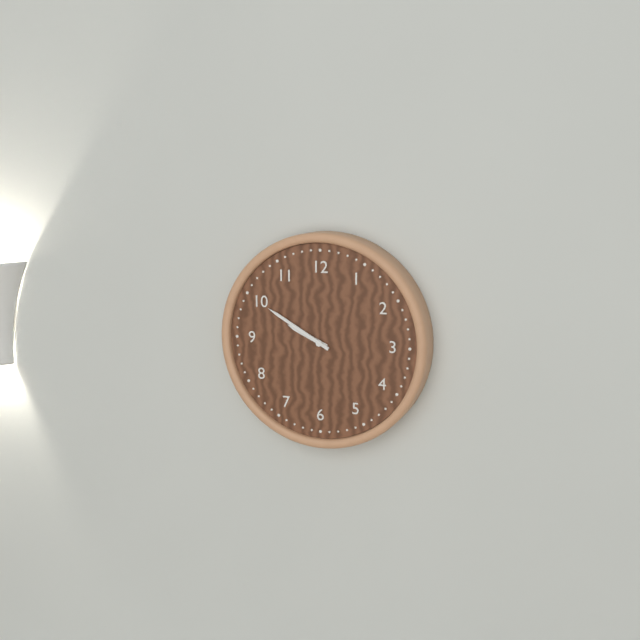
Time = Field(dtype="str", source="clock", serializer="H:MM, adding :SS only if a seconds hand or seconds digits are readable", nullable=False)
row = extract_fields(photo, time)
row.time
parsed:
9:50
